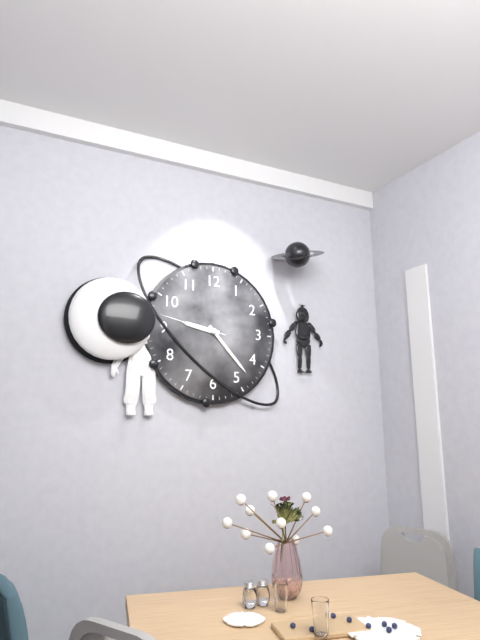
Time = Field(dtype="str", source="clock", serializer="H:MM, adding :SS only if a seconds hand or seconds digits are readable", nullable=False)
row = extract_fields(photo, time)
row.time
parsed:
9:23:47
